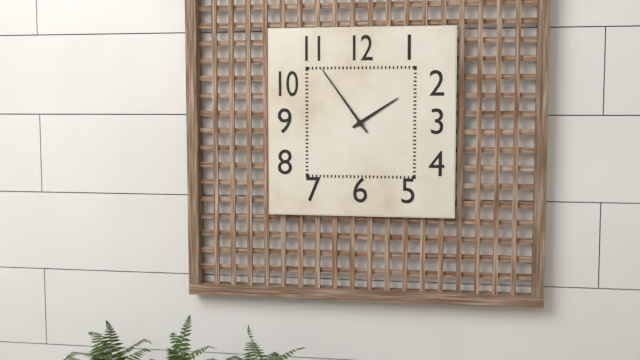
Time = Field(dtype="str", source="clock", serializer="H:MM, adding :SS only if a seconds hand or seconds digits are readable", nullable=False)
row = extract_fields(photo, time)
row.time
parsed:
1:54
